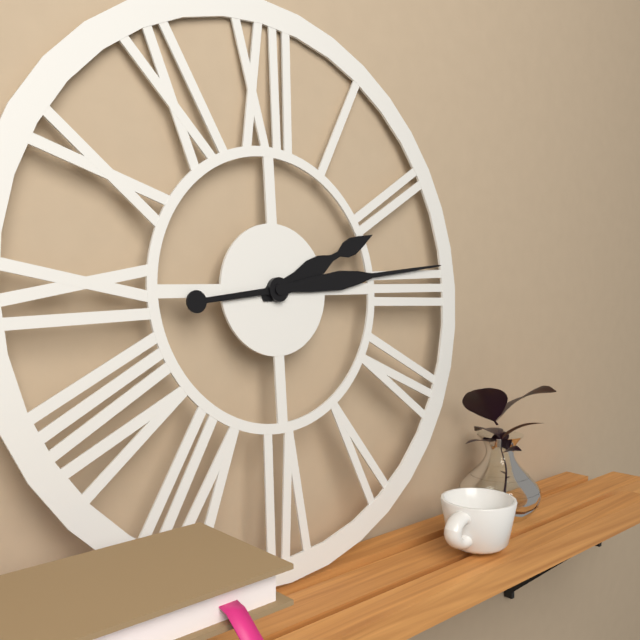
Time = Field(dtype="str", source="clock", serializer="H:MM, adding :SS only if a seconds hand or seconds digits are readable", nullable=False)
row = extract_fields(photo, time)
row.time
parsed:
2:14
